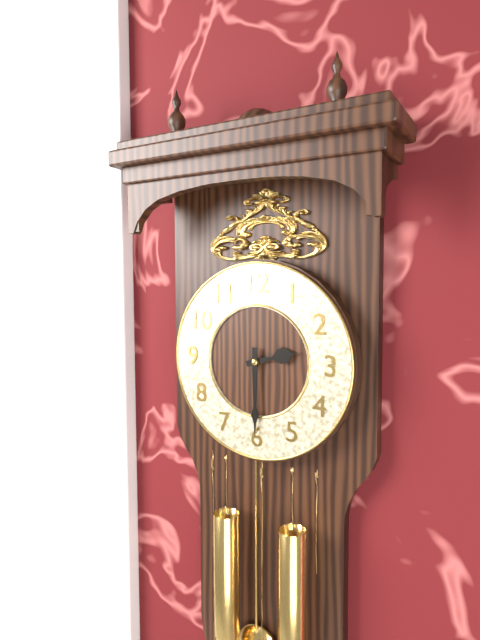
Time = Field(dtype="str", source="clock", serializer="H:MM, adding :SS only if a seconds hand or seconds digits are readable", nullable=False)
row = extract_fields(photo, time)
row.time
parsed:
2:30
